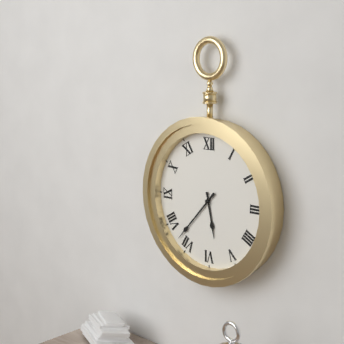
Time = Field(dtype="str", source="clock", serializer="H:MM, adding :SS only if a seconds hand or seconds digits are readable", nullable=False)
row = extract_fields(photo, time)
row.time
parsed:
5:37
